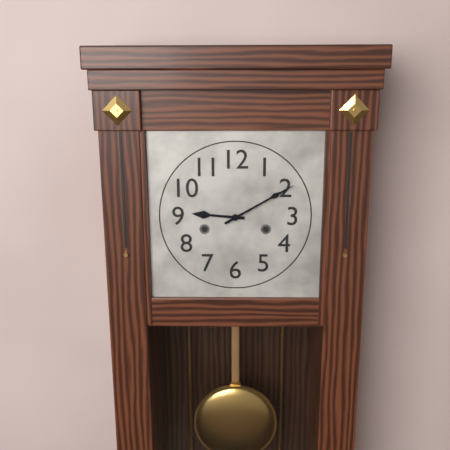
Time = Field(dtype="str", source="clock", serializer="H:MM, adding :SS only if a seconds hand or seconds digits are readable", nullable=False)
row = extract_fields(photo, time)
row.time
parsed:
9:10
